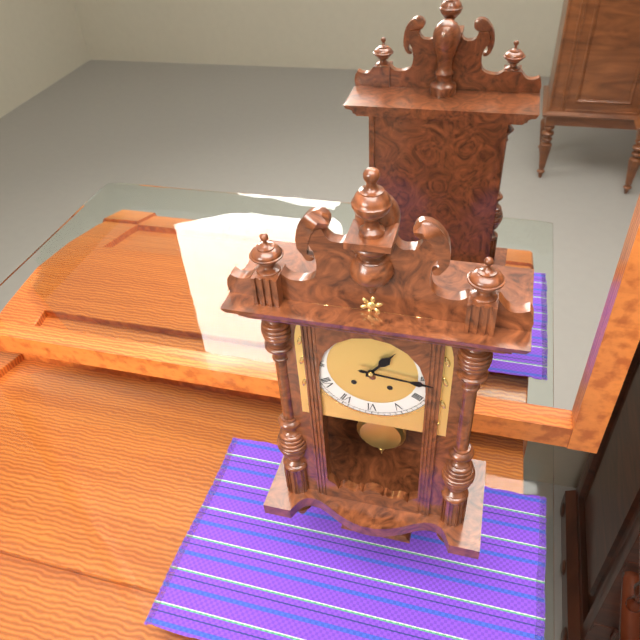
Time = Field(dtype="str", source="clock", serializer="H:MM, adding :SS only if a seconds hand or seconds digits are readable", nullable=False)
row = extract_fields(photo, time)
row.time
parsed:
1:16
